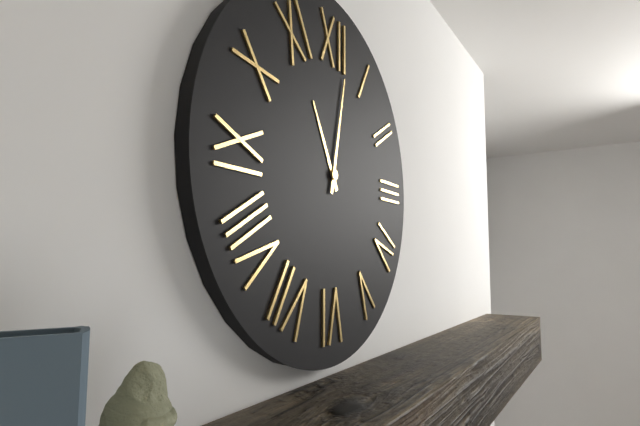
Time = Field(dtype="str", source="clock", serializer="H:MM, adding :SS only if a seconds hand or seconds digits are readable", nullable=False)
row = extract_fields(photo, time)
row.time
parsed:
11:02
